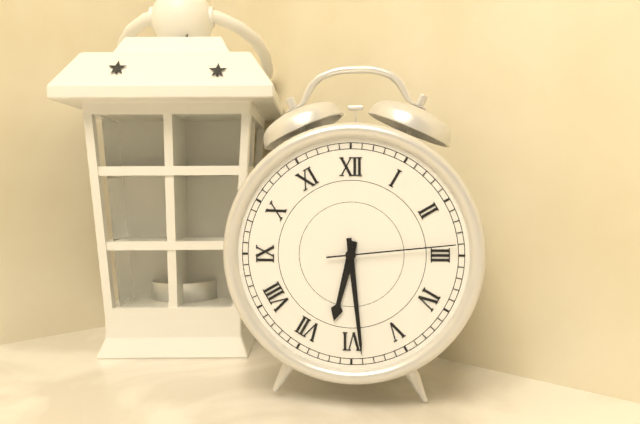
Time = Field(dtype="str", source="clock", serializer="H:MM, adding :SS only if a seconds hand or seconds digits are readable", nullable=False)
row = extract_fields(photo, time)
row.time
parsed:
6:29:14
